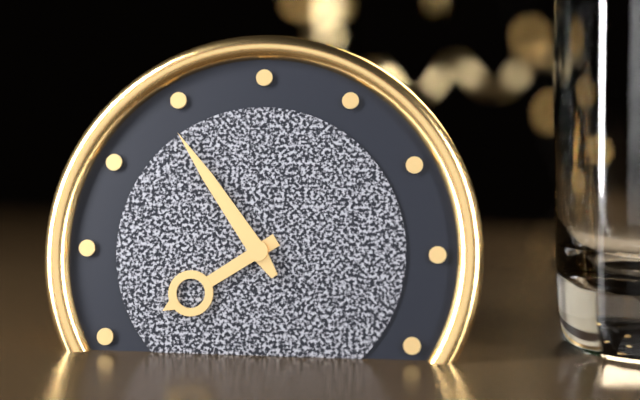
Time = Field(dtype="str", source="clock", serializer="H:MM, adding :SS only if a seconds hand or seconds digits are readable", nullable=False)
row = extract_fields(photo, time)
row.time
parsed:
7:54
